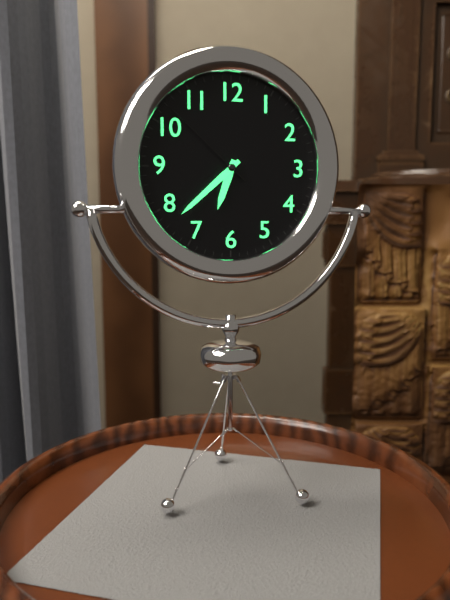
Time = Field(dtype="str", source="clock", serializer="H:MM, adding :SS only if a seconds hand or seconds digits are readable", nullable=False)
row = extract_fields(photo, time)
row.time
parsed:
6:38:52
